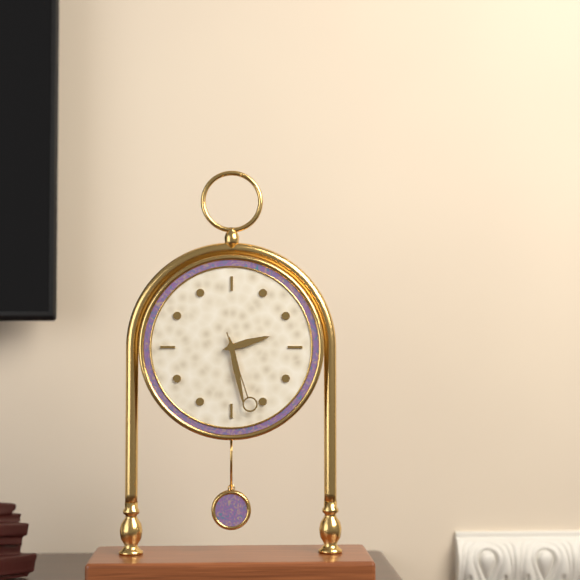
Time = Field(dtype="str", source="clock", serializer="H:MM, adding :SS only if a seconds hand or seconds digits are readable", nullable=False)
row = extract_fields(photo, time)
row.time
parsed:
2:28:27
